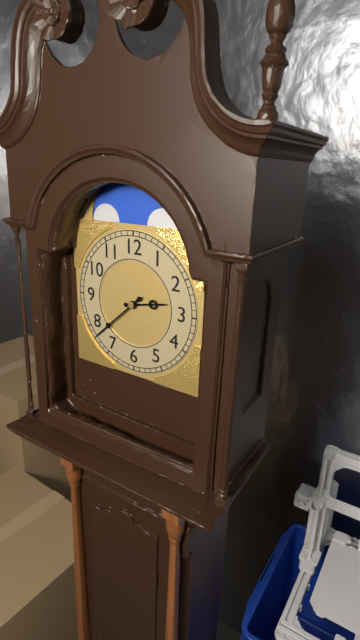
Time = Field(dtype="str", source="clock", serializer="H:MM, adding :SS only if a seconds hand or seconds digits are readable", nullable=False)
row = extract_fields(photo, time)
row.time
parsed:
2:38
